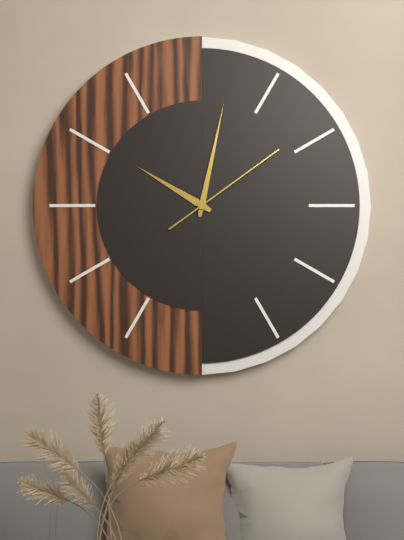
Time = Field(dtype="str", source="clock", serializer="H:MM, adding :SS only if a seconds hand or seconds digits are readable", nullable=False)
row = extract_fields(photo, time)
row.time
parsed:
10:02:09
